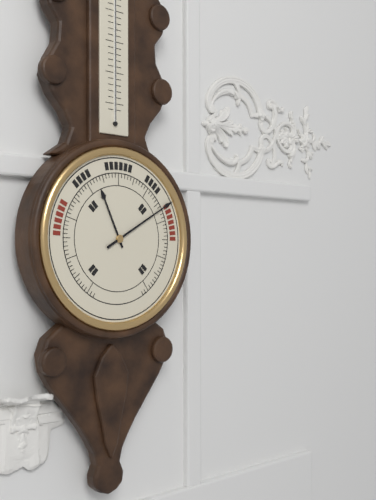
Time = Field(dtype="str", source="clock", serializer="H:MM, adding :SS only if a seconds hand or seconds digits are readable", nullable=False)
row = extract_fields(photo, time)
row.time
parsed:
11:10
